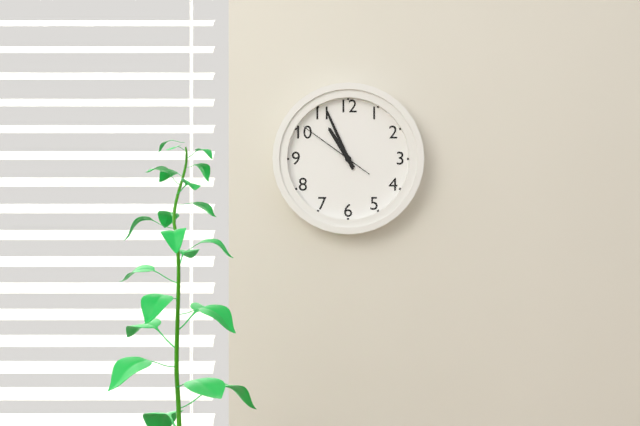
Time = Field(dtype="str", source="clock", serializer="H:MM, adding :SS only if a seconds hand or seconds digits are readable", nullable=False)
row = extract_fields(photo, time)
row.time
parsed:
10:56:51
